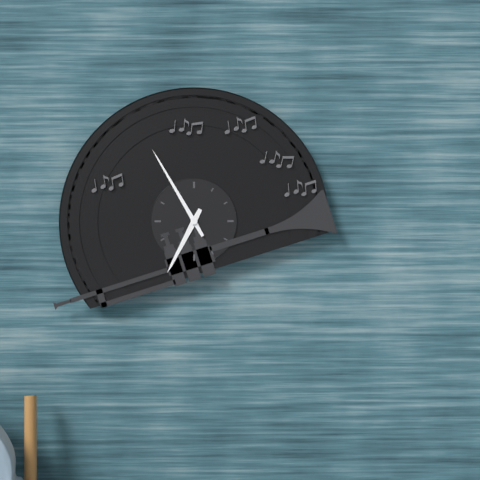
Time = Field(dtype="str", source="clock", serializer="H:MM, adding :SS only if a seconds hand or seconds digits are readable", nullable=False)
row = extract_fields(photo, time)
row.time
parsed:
6:55
